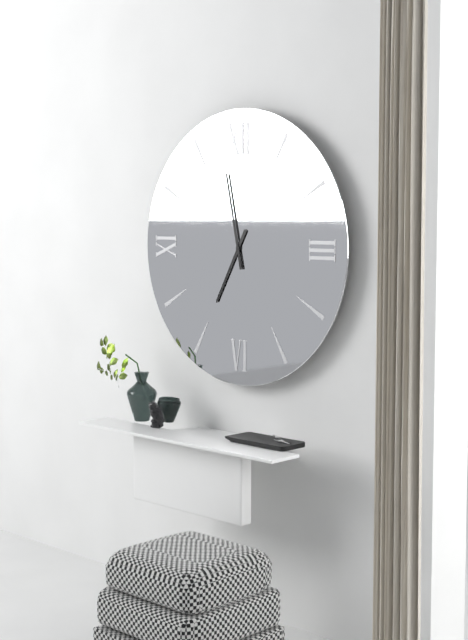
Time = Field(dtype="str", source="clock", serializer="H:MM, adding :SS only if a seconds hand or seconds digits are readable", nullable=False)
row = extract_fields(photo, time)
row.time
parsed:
6:58
